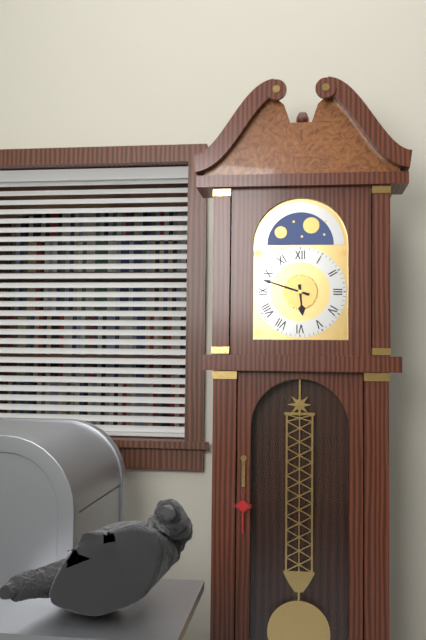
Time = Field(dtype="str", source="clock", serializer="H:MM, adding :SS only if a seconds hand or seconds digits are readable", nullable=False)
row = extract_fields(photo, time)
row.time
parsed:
5:48
